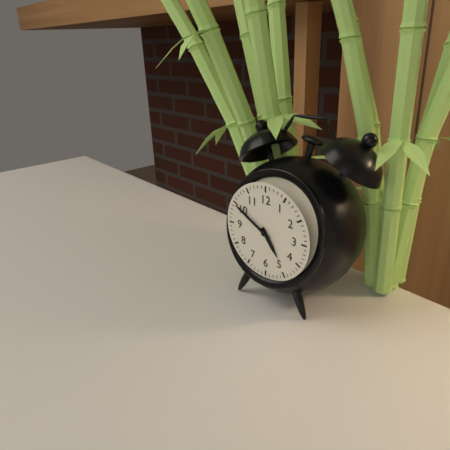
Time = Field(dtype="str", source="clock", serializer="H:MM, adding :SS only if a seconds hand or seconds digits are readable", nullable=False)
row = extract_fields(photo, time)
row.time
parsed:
4:50
